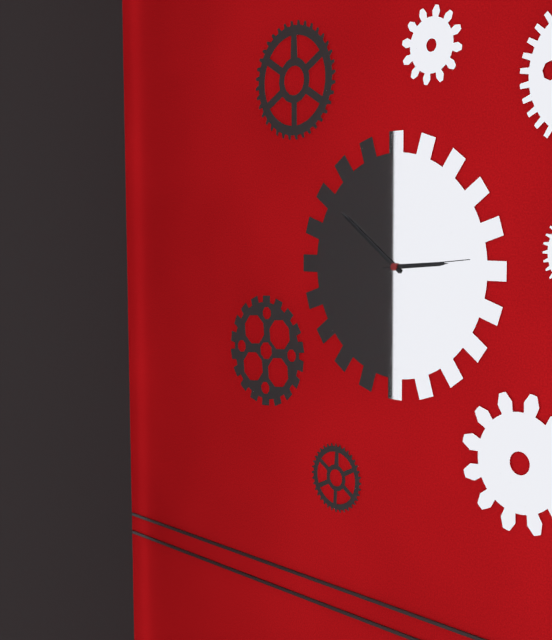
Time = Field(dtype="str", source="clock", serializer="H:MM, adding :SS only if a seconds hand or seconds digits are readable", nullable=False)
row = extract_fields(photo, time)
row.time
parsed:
2:51:14
